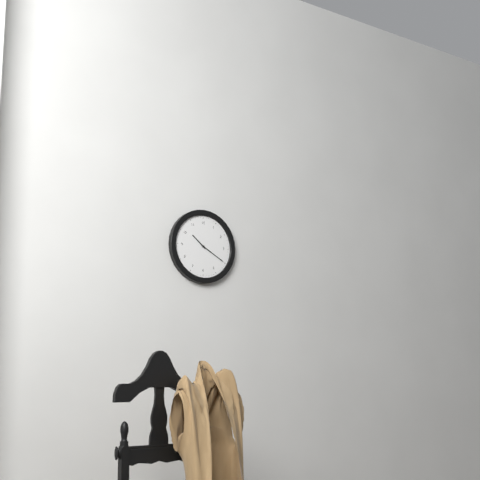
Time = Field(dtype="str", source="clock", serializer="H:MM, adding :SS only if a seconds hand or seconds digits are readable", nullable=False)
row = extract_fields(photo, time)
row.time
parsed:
10:20
